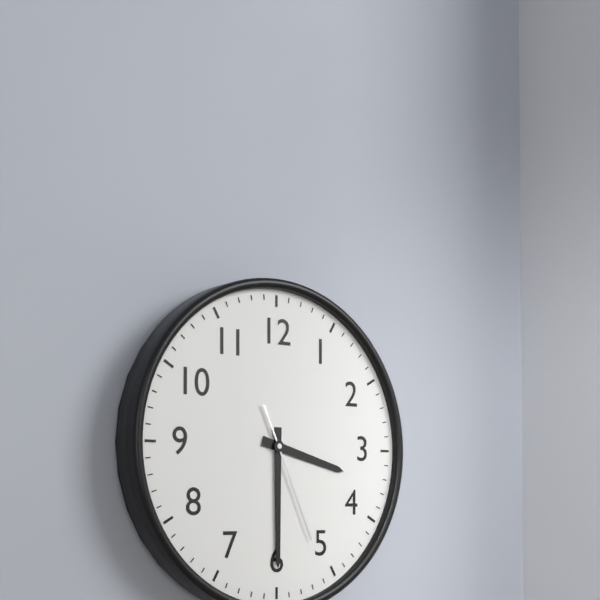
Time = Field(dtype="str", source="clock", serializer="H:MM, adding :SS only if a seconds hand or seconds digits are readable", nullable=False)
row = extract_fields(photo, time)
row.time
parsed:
3:30:26
